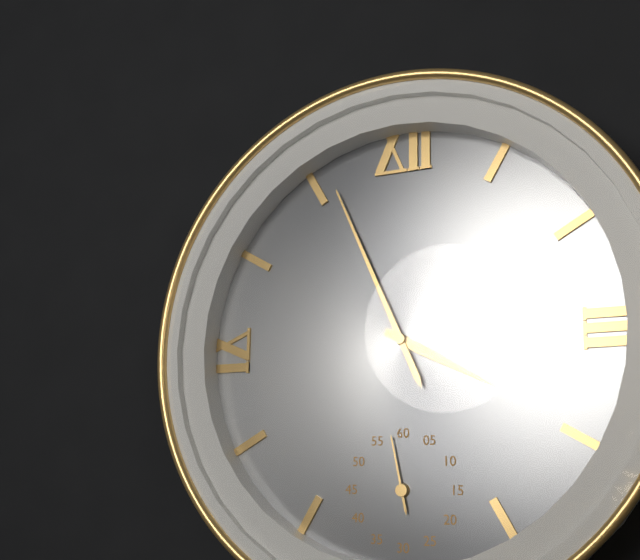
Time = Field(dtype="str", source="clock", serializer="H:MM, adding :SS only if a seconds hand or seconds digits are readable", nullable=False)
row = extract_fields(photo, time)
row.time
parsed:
3:56:58
